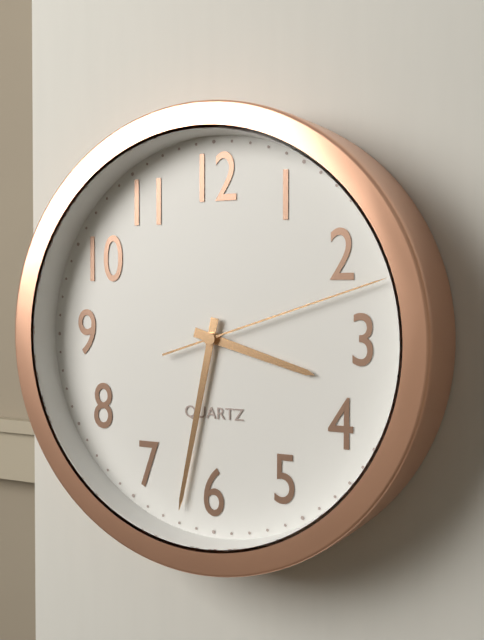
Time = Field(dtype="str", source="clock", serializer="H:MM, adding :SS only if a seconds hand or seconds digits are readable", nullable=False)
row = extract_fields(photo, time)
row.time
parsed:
3:32:12
